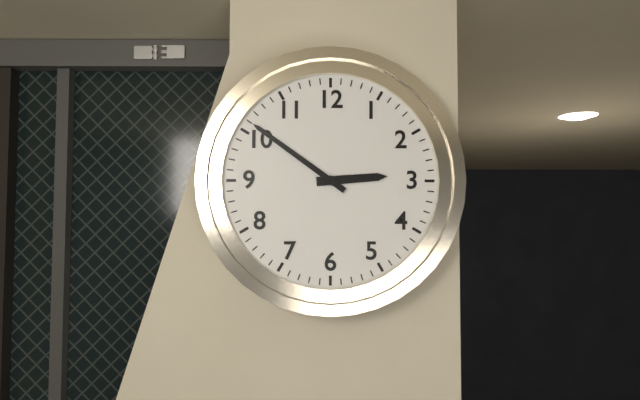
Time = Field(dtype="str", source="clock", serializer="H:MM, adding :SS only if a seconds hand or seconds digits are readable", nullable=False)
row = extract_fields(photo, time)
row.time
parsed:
2:51
